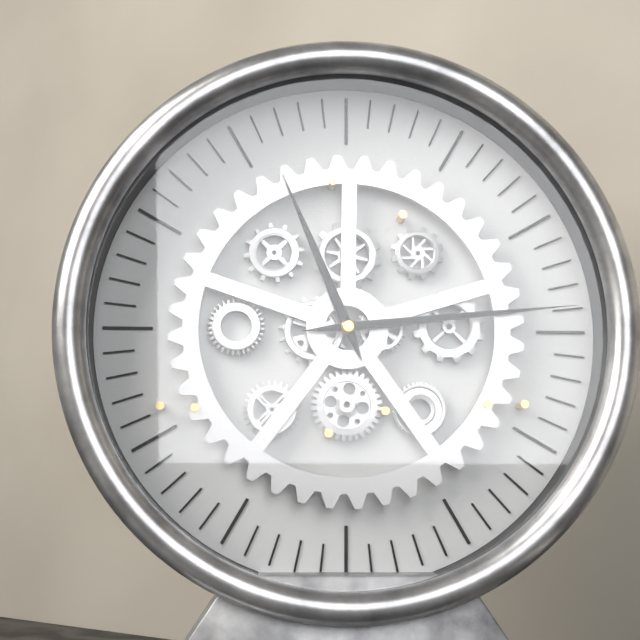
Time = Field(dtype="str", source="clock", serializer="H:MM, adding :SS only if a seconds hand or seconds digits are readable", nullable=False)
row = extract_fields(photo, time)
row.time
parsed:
11:14
